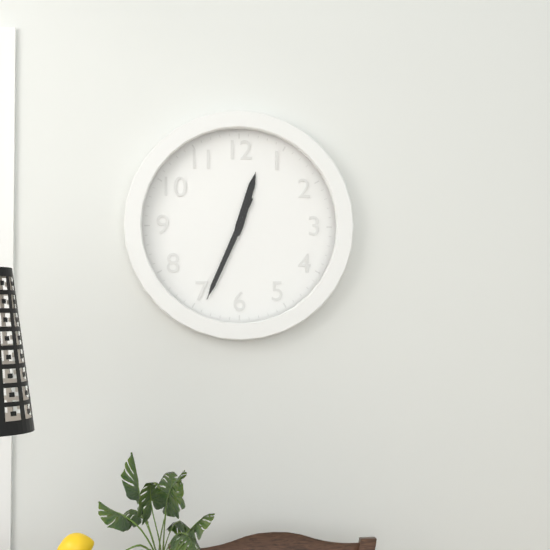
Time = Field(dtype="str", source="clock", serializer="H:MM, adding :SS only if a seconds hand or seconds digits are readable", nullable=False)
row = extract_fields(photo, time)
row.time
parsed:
12:34:34
